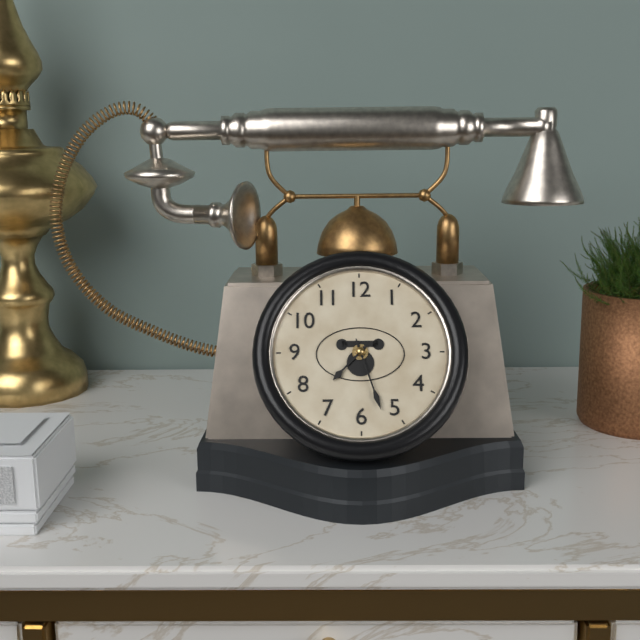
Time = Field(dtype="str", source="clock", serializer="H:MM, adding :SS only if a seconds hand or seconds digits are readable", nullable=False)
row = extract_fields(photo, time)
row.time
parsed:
7:27
